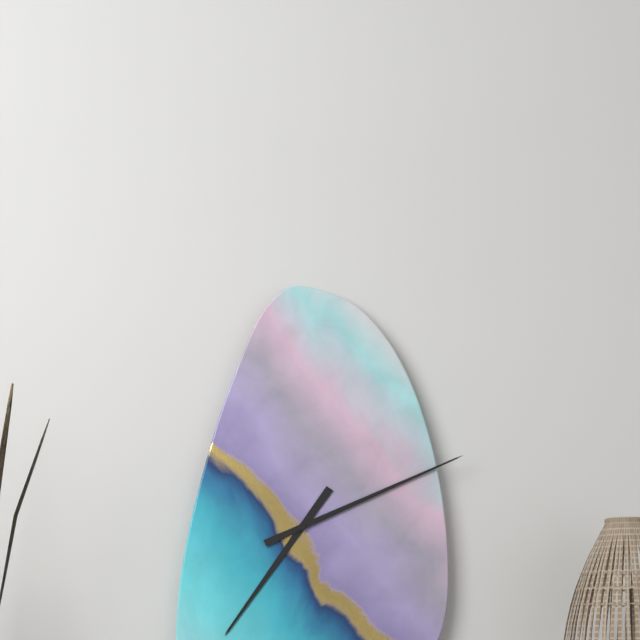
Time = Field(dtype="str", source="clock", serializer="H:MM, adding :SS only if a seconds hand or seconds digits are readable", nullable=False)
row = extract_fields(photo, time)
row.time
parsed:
7:11
